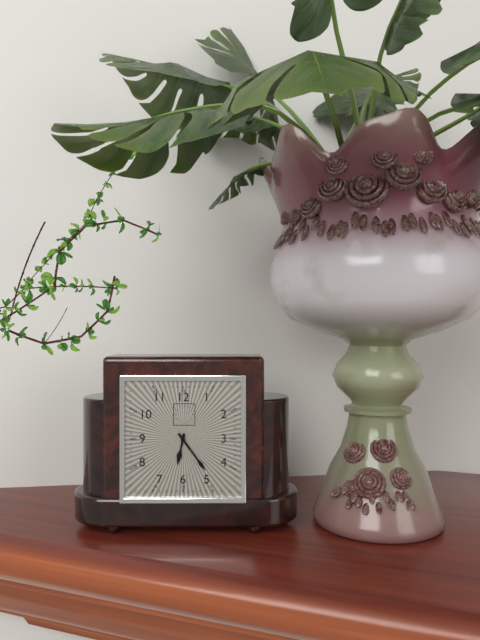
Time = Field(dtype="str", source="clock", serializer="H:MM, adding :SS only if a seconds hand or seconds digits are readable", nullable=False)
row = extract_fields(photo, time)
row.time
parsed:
6:24
